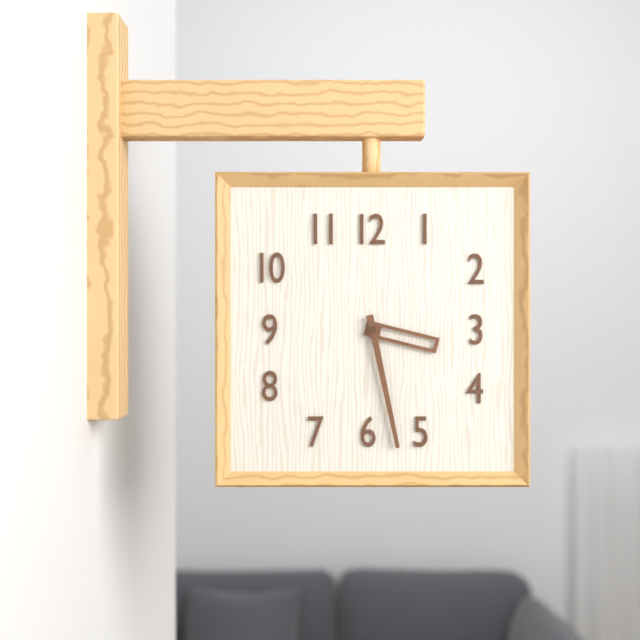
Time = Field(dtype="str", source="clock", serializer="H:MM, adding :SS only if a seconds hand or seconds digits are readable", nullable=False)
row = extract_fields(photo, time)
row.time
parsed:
3:28
